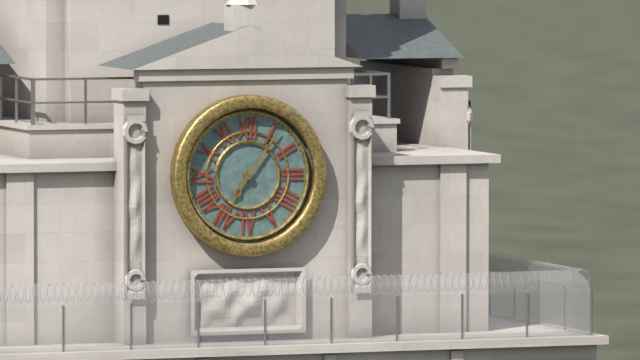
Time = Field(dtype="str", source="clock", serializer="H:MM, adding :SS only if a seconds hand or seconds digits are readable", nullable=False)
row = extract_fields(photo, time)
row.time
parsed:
7:06
